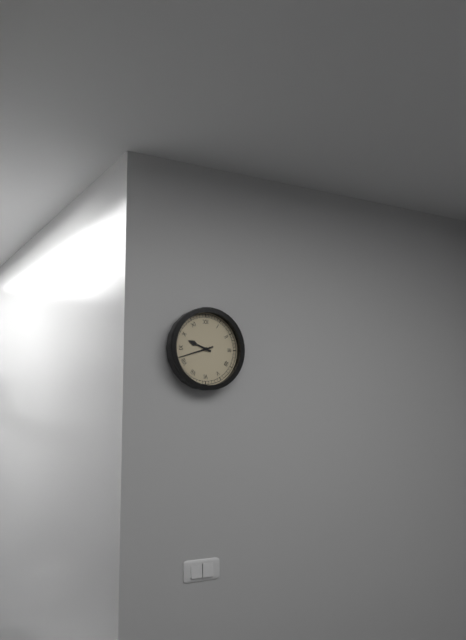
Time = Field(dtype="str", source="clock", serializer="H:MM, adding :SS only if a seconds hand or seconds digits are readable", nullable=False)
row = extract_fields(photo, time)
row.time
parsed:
9:42
